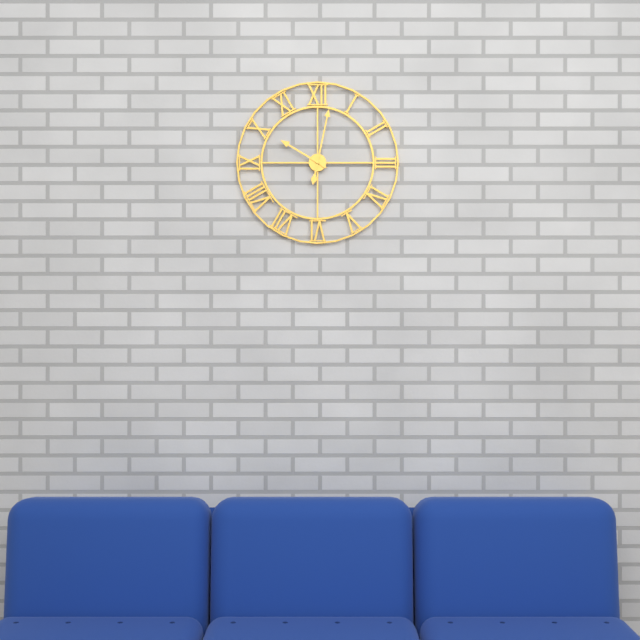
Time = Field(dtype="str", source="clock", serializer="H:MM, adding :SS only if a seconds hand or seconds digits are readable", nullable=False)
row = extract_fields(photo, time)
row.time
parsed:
10:02
